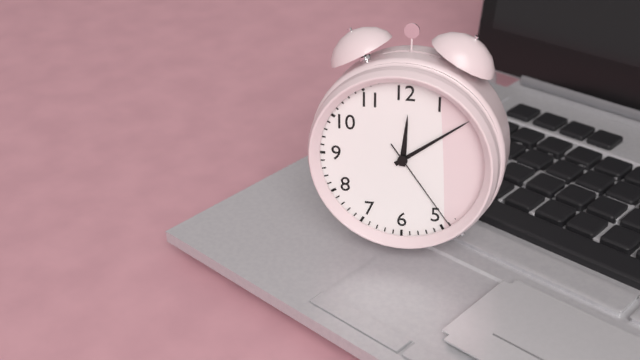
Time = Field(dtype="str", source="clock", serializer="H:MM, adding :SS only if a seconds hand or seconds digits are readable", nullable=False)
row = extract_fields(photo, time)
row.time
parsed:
12:09:24
